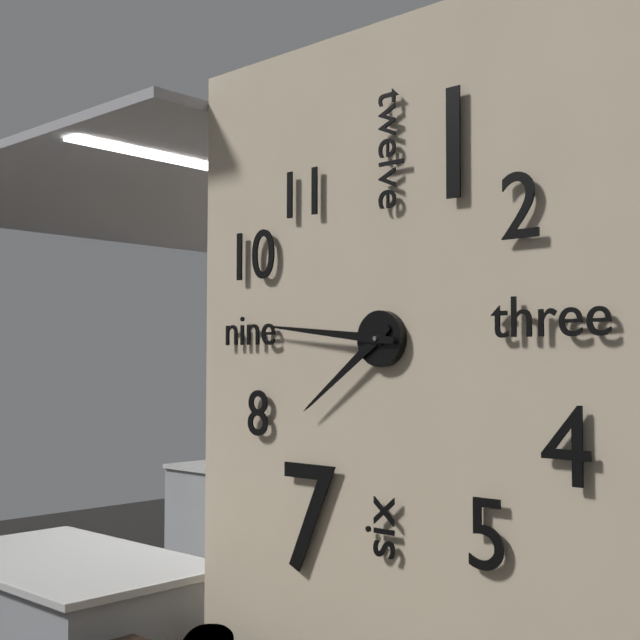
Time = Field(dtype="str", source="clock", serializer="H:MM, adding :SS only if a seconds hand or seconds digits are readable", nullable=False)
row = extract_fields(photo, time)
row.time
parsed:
7:46
